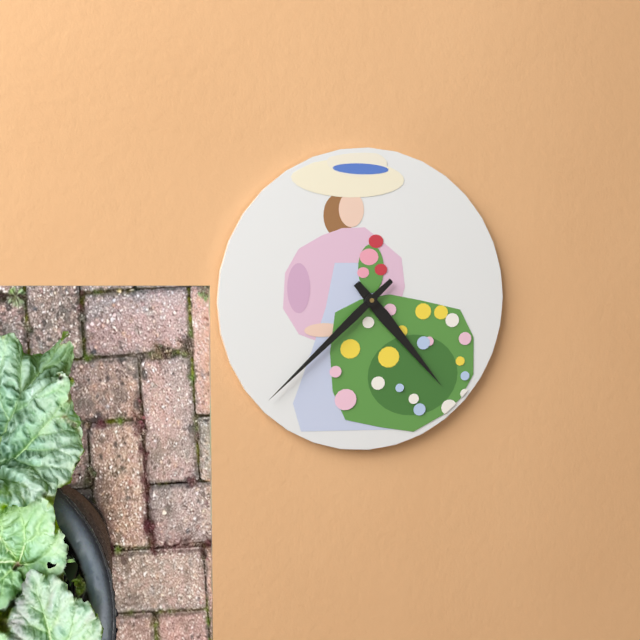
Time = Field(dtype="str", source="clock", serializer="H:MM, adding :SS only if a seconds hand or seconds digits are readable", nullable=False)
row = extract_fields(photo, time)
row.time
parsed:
4:38
